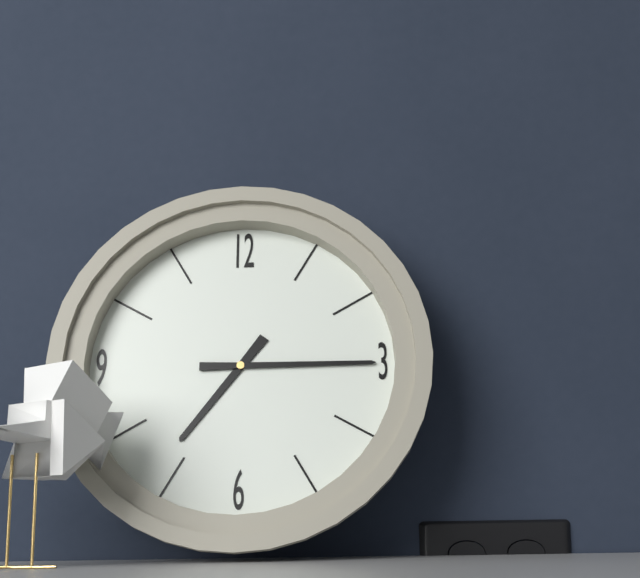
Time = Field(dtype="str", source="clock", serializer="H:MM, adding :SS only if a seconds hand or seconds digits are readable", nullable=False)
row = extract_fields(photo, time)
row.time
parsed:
7:15
